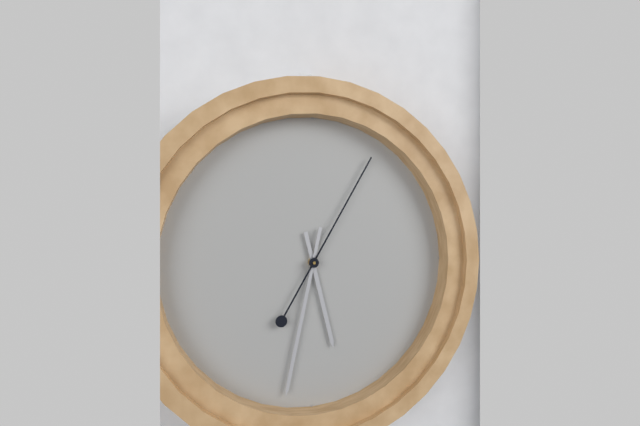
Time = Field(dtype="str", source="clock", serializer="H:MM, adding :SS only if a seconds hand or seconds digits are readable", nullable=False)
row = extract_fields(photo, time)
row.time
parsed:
5:32:05
